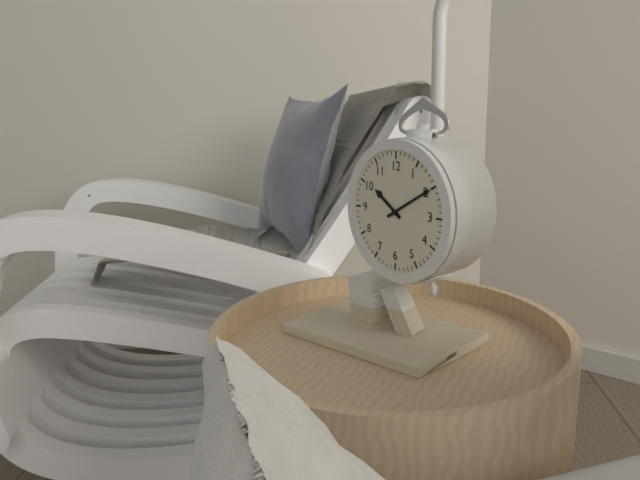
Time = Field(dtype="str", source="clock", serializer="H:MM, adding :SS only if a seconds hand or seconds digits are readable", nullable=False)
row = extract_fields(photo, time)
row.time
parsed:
10:10
